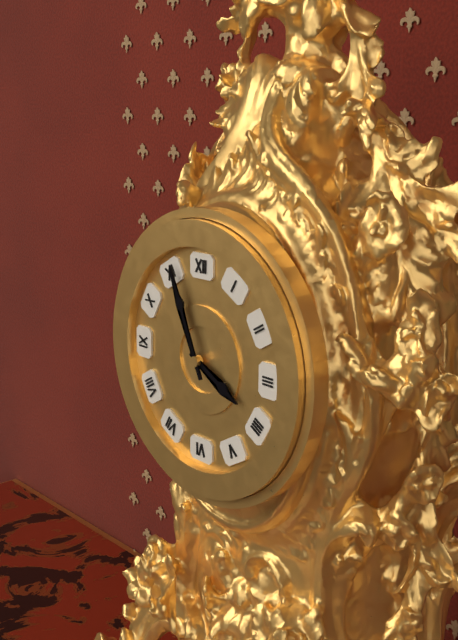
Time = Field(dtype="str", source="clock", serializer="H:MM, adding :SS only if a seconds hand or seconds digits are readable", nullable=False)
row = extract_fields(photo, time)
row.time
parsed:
3:56
